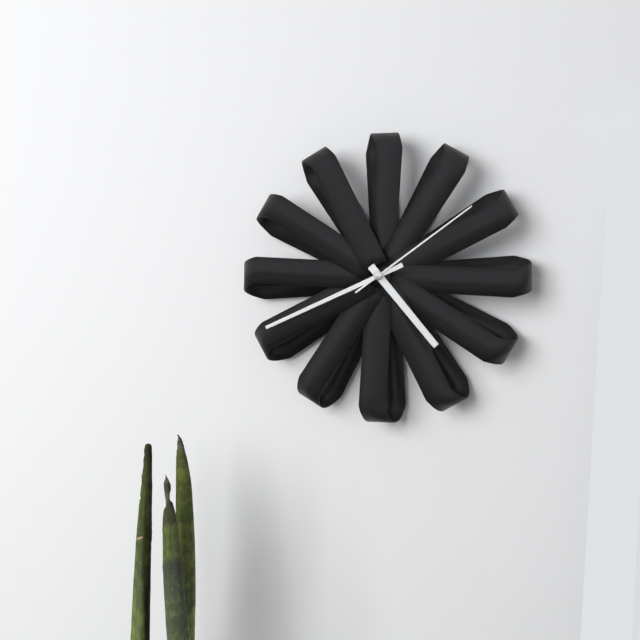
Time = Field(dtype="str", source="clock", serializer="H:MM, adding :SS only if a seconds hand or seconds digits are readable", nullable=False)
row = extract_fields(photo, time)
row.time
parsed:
4:41:09
